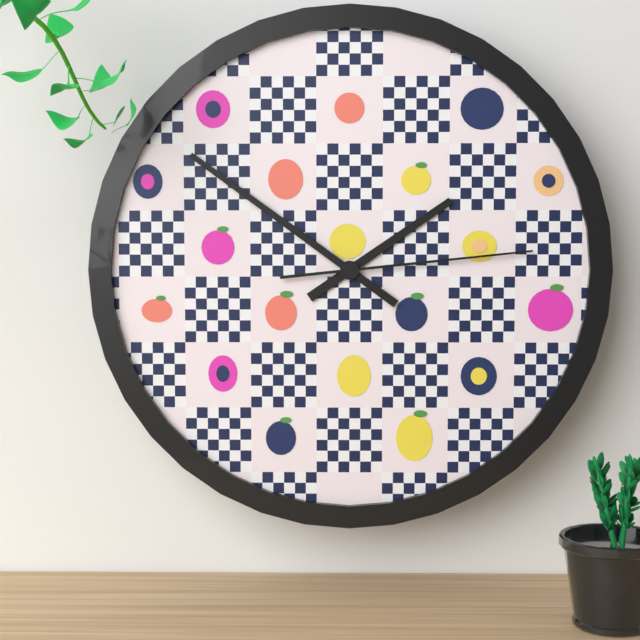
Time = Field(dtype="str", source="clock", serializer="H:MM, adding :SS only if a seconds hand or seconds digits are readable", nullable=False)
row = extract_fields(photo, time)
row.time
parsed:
1:51:14
